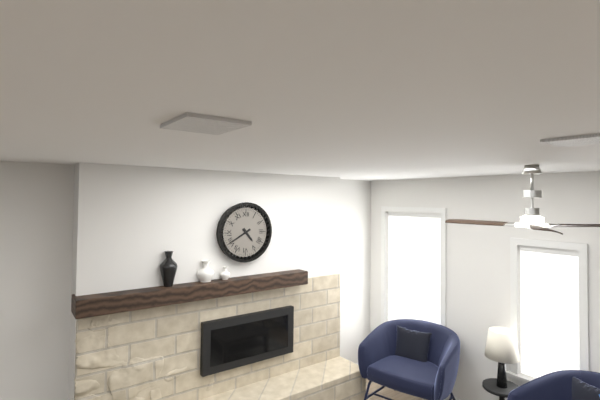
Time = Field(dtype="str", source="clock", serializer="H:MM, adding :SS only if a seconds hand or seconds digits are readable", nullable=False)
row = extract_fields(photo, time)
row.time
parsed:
4:40
